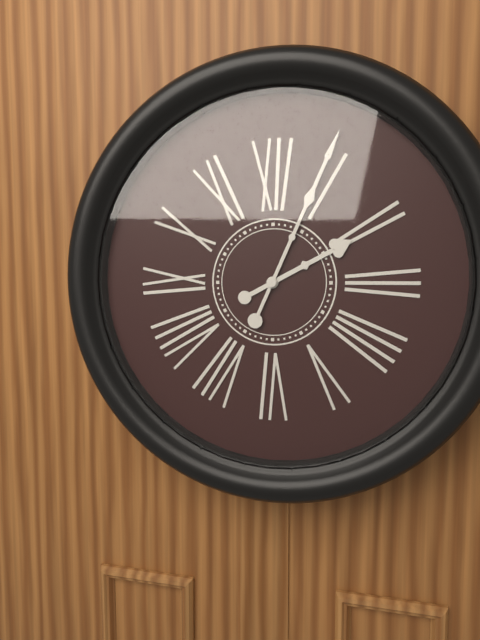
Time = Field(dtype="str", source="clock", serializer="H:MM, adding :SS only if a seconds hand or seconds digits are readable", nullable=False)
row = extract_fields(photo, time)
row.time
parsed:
2:04
